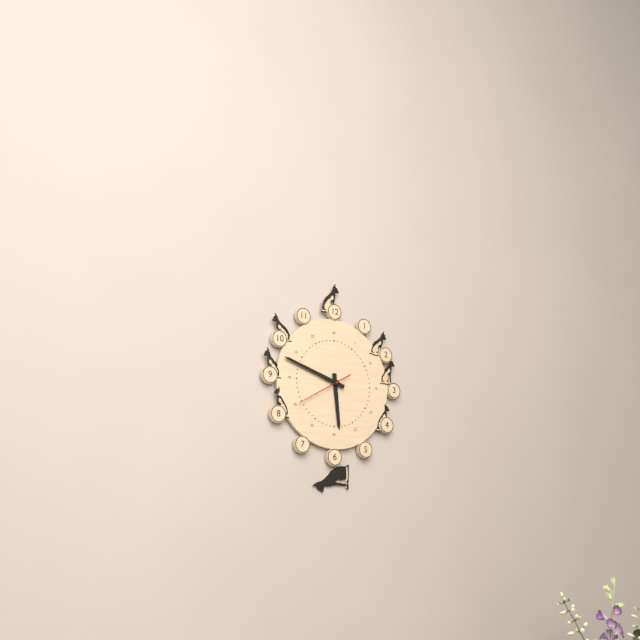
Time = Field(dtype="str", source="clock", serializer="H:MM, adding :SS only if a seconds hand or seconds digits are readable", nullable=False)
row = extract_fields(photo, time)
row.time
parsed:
5:48:40
